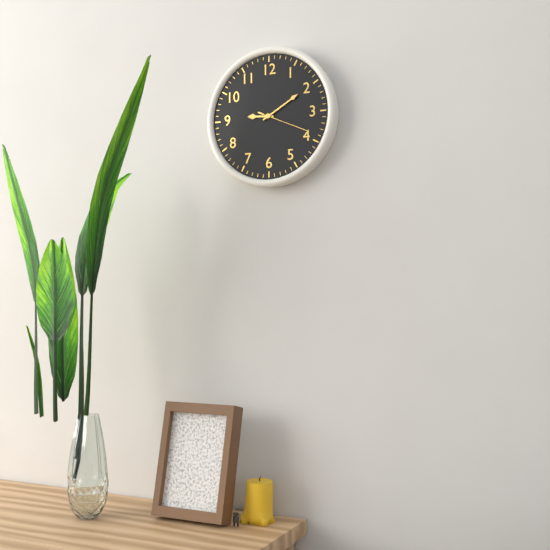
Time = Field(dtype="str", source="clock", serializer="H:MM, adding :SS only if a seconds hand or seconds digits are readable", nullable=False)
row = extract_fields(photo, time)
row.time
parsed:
9:10:19
